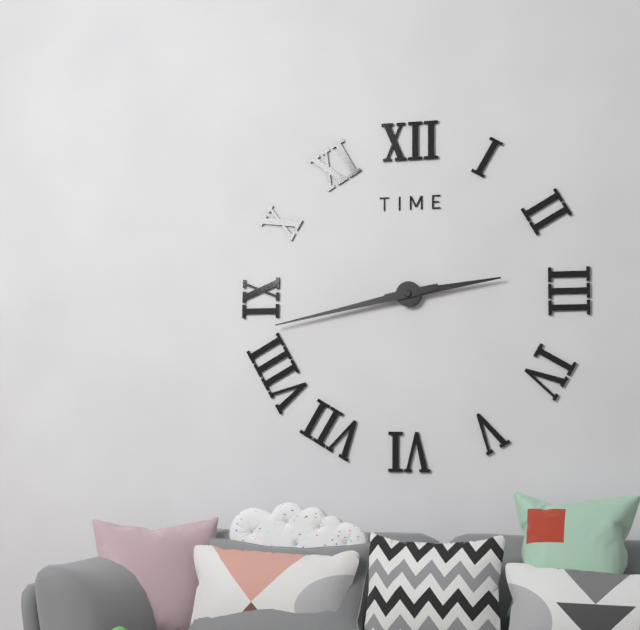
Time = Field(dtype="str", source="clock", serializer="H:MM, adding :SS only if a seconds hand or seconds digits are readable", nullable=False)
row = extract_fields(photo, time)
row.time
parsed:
2:43
